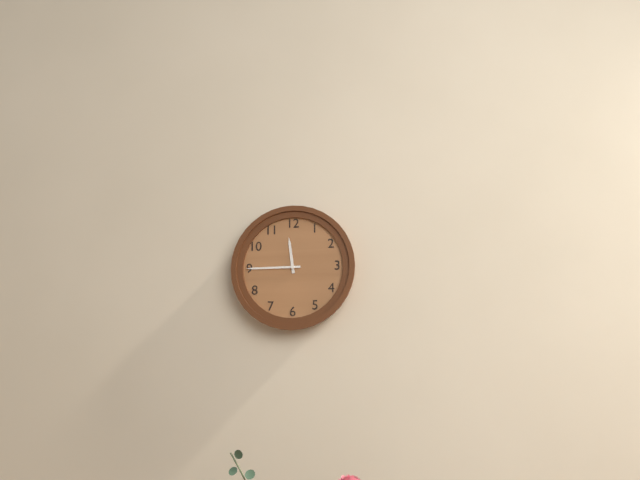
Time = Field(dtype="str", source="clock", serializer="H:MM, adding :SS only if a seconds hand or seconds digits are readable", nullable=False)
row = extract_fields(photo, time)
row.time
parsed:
11:45
